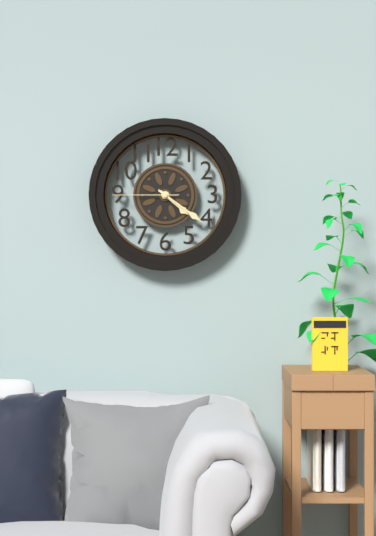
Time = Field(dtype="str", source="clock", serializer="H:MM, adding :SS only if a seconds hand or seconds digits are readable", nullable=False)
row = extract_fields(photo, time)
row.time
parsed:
4:21:45
